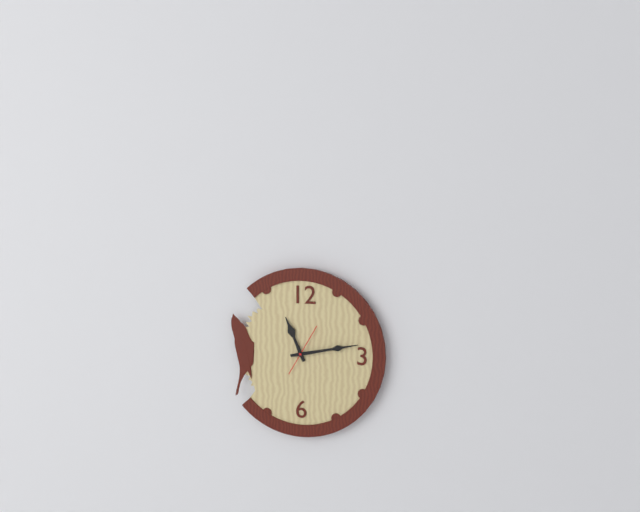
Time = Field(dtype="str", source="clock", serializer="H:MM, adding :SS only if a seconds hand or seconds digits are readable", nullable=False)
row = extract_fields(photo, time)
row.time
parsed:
11:13
